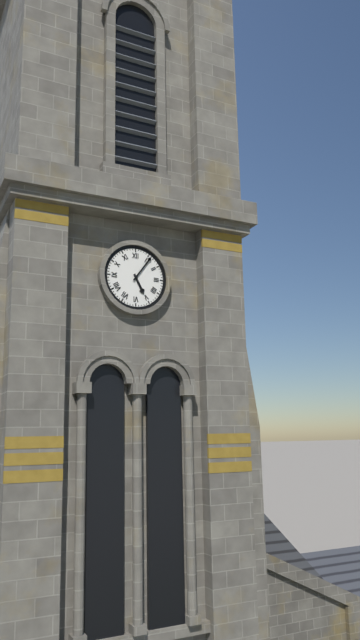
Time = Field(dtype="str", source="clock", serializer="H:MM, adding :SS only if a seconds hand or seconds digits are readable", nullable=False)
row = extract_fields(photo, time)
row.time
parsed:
5:06
